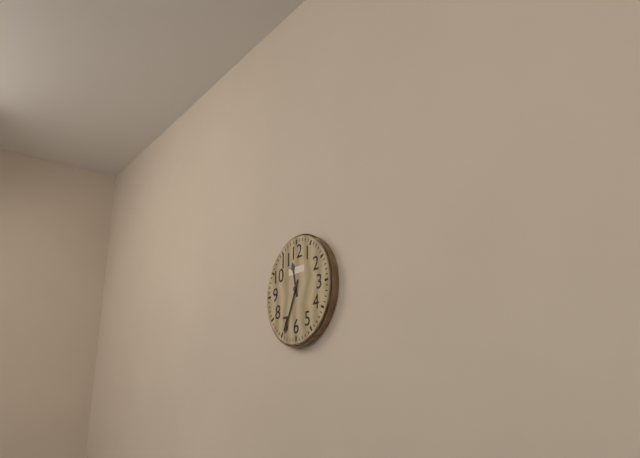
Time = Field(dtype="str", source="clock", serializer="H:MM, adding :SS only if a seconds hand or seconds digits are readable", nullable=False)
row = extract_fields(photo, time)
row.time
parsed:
11:34
